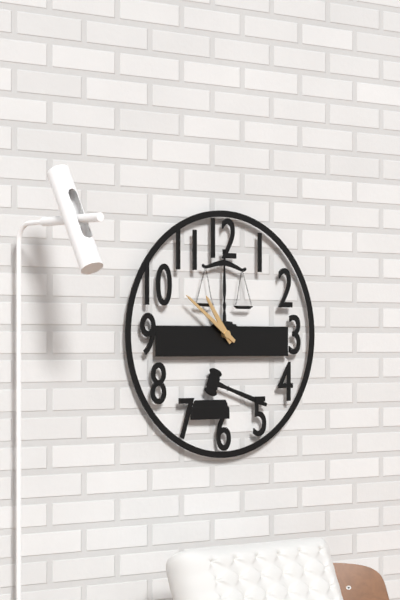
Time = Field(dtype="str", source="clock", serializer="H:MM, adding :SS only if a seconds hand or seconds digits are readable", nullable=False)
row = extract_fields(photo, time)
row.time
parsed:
10:51
